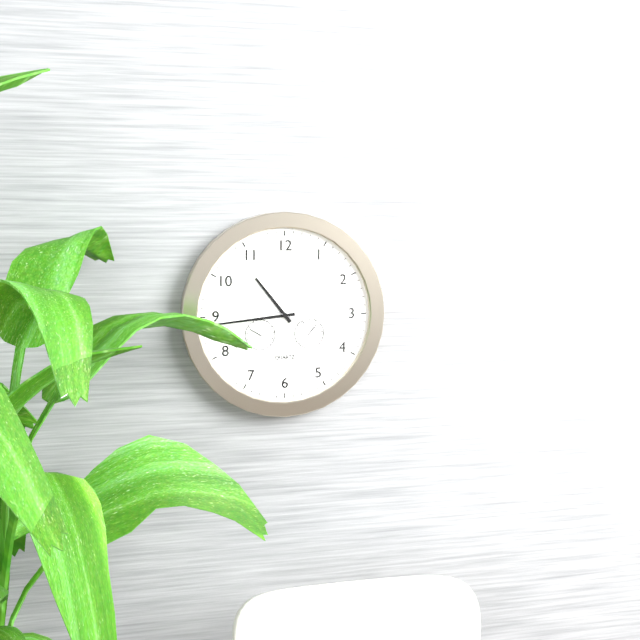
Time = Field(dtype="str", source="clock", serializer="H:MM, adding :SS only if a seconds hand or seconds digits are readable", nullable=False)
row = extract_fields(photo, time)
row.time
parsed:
10:44:19
